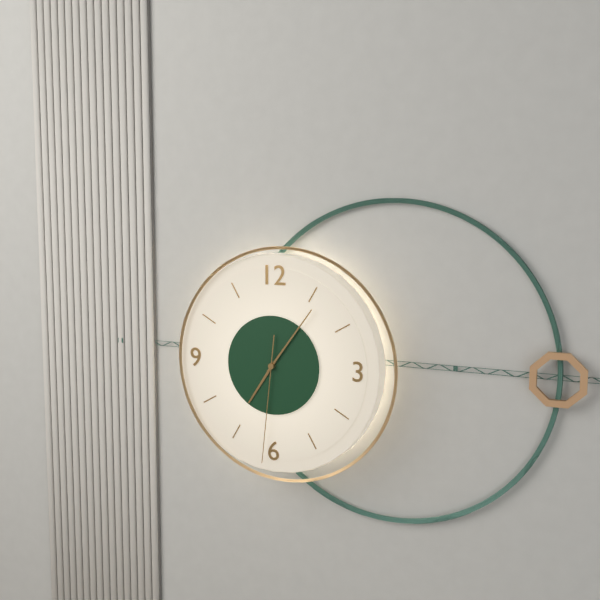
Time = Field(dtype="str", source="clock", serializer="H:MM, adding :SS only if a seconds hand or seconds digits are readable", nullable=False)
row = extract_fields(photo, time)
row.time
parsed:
7:06:31
